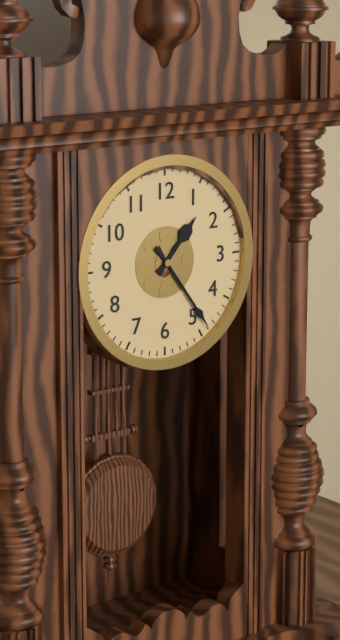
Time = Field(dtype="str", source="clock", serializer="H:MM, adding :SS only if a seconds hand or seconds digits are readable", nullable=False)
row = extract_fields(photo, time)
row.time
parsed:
1:24
